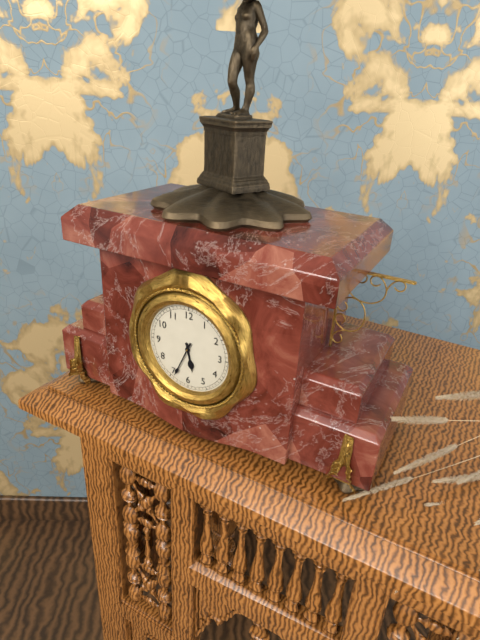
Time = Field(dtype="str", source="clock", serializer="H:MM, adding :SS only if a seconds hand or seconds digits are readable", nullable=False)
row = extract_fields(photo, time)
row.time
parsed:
5:34
